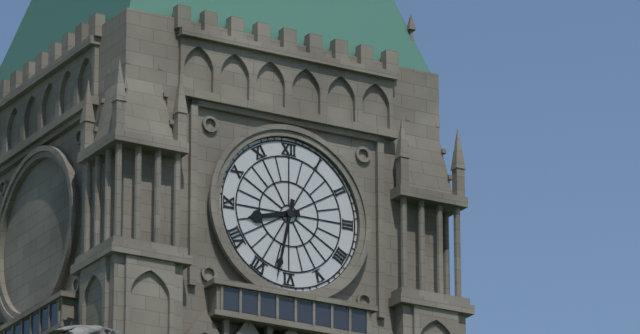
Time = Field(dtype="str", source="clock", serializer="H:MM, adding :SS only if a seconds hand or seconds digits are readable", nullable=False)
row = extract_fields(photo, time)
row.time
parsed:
8:32
